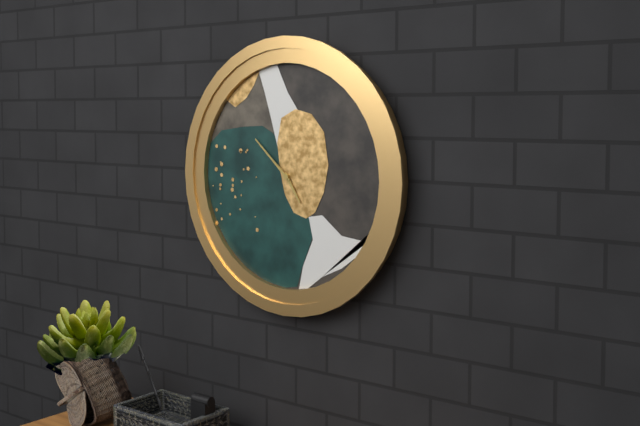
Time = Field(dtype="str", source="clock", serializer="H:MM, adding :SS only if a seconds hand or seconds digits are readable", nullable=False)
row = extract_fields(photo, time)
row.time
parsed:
4:52
